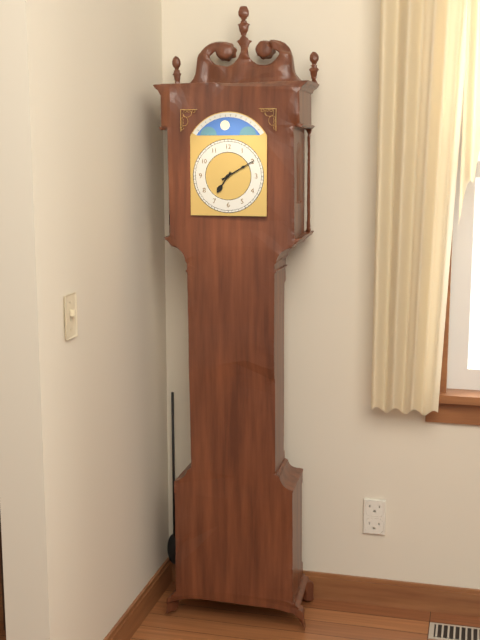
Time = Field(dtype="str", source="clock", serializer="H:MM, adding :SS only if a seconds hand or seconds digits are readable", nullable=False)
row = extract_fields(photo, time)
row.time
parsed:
7:10
